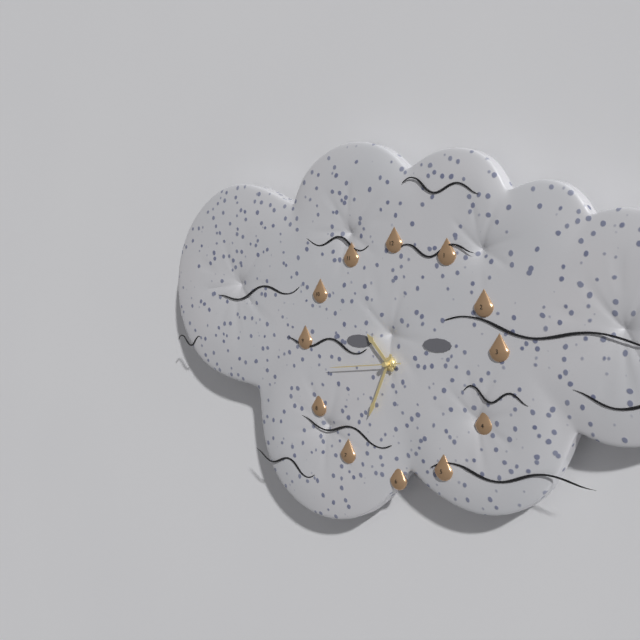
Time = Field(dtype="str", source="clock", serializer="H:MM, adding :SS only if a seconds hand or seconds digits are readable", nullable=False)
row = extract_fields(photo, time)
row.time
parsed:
10:34:44
